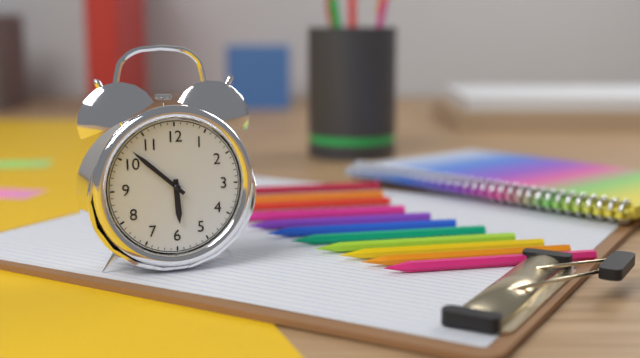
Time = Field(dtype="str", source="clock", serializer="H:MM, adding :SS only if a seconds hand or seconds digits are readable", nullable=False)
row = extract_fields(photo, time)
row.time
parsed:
5:52
